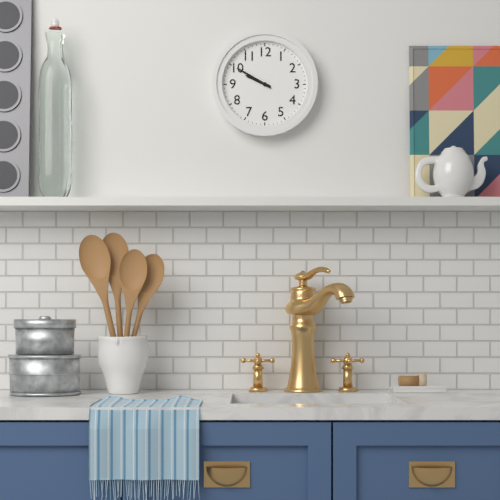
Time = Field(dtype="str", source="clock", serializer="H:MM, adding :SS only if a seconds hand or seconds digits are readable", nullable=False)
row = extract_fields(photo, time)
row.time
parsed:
9:50
